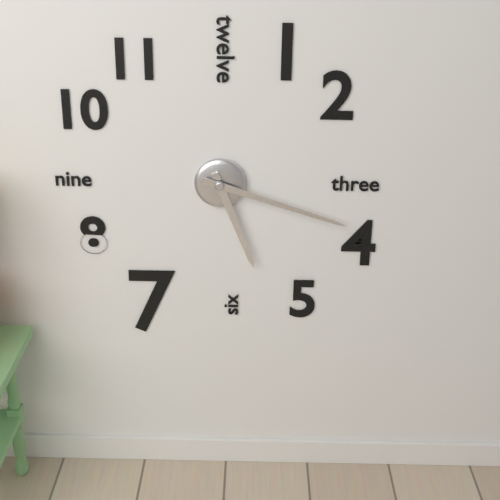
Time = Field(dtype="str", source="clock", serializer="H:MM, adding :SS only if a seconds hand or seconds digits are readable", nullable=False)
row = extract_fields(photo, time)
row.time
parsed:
5:18
